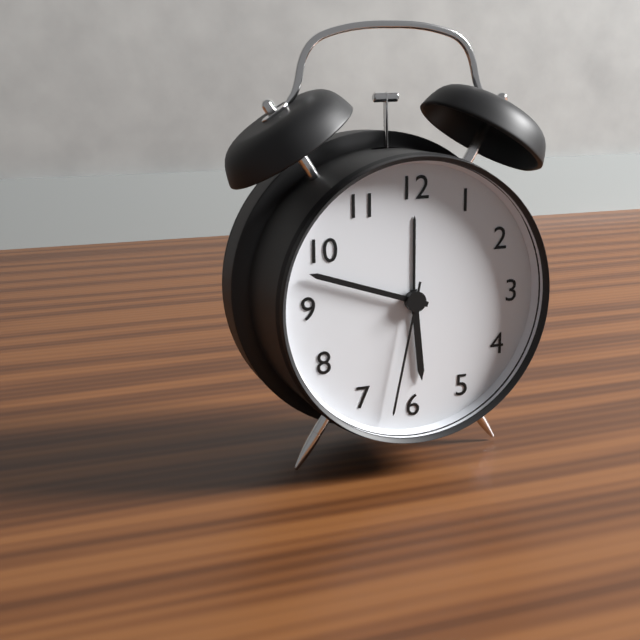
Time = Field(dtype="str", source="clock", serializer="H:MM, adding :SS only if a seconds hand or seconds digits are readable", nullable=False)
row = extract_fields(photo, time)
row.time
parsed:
5:48:32
